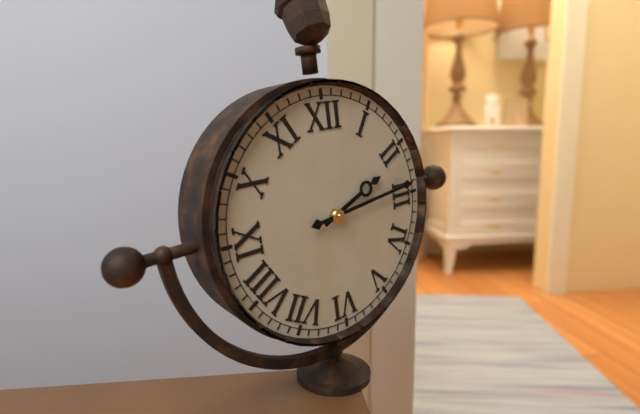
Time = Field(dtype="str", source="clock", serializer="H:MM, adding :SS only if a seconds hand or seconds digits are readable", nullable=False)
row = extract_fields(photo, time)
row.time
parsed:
2:14
